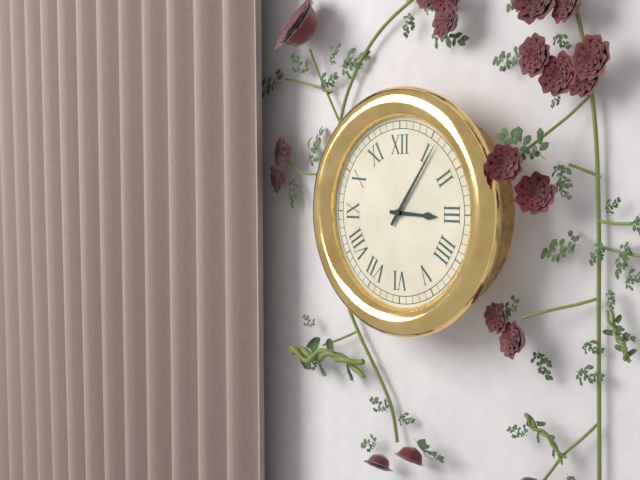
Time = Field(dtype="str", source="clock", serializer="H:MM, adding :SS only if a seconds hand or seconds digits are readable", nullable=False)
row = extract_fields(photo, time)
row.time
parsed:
3:06
